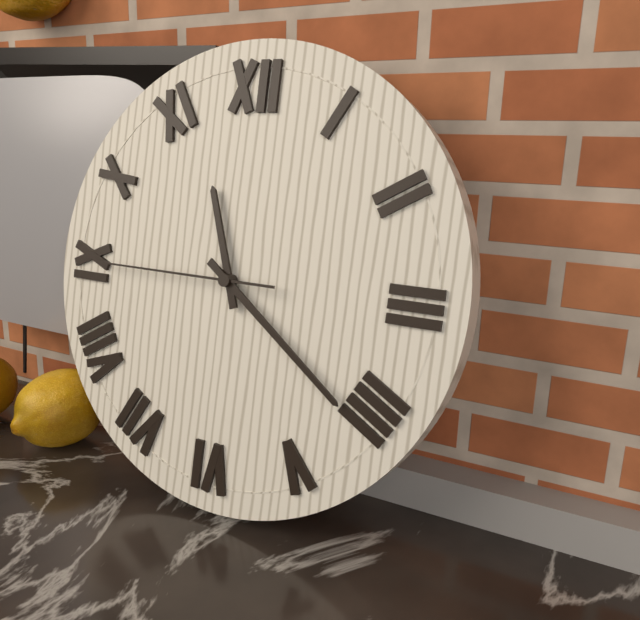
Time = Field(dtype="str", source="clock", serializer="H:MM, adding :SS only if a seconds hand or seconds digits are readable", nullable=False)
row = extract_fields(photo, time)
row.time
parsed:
11:21:45
